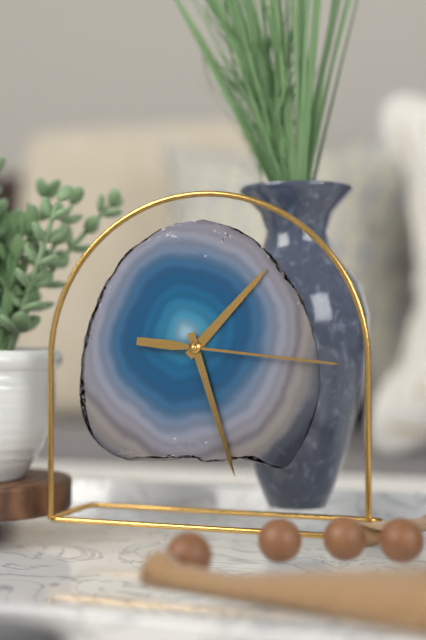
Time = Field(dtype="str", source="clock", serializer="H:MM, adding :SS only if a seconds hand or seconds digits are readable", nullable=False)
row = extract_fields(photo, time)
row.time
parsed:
1:27:16
